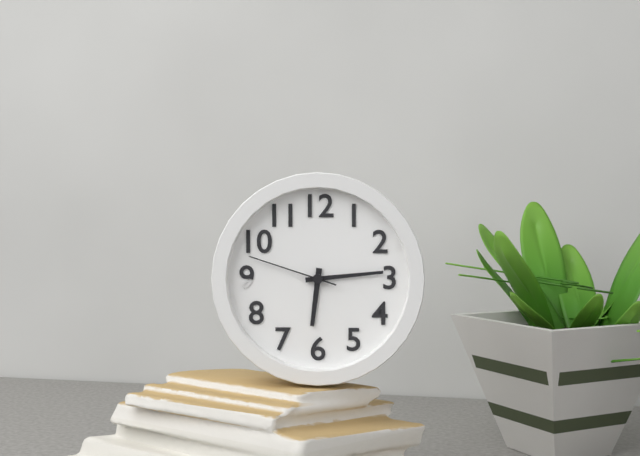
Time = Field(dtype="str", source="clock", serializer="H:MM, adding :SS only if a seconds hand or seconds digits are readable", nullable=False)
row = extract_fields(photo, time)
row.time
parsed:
6:14:48
